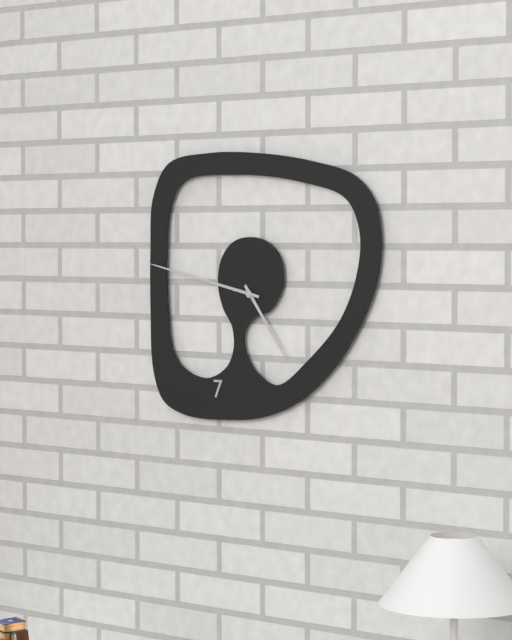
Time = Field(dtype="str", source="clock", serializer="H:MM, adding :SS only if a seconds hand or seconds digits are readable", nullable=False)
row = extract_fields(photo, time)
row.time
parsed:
4:47
